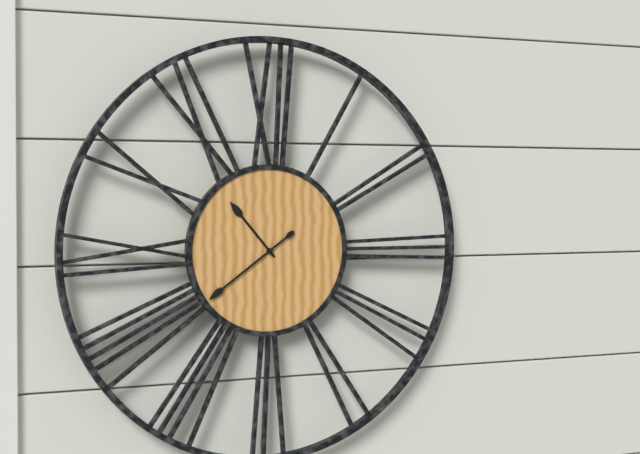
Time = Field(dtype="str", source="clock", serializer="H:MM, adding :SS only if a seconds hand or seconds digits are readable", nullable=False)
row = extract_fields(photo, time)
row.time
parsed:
10:39
